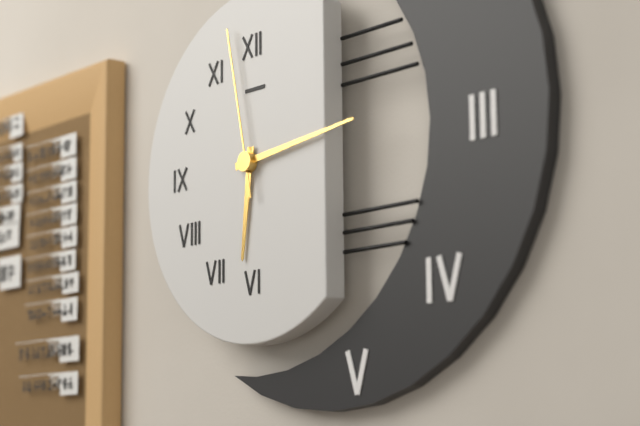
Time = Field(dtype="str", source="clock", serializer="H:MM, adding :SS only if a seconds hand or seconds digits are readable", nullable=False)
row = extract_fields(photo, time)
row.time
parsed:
6:14:58
